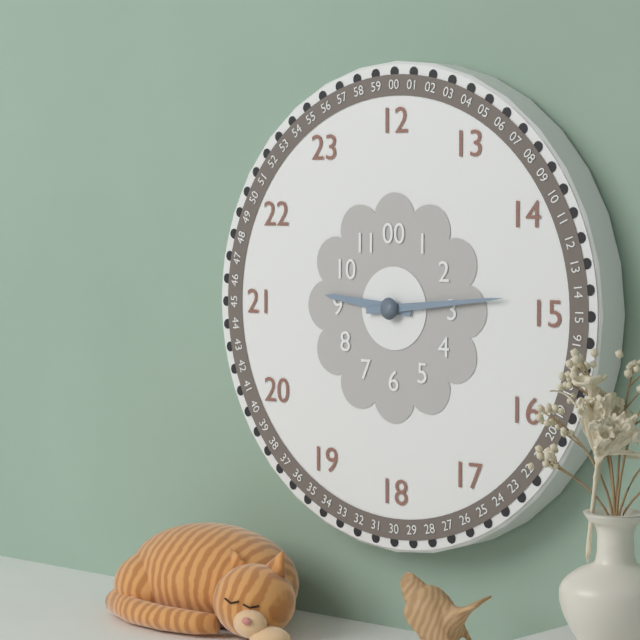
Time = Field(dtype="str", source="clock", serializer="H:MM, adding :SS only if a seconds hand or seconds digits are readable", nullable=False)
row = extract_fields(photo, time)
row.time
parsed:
9:14
